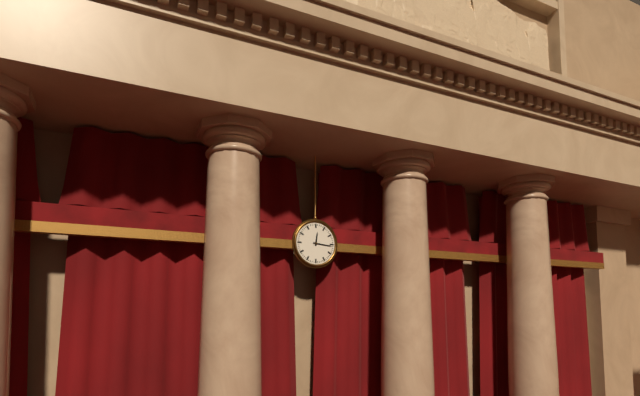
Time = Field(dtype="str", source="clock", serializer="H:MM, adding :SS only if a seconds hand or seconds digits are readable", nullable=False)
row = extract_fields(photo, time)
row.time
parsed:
12:16
